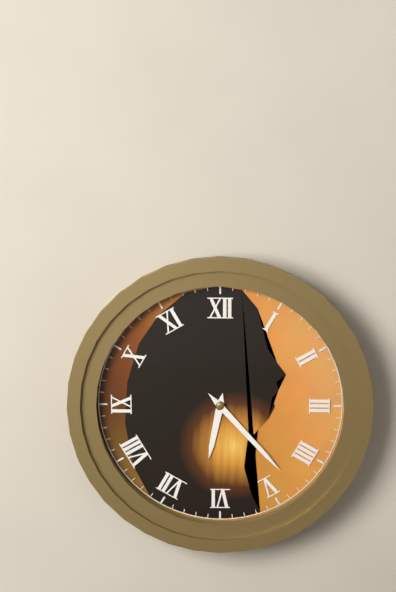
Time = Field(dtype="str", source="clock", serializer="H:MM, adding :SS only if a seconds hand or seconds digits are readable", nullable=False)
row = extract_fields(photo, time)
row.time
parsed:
6:23
